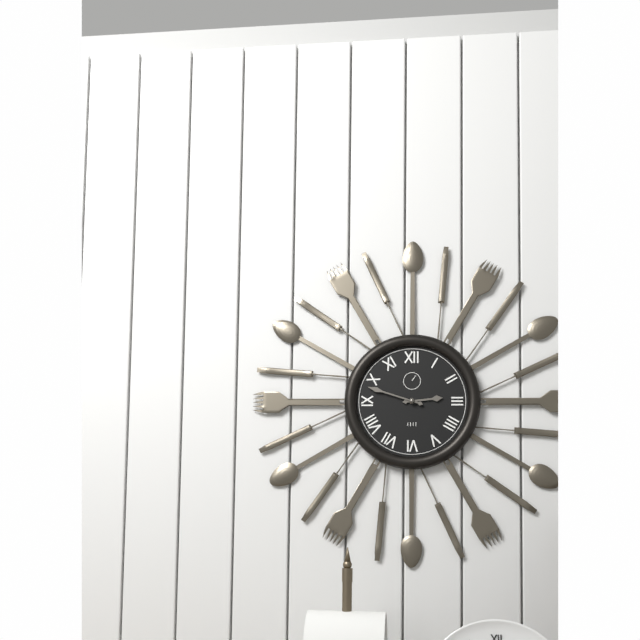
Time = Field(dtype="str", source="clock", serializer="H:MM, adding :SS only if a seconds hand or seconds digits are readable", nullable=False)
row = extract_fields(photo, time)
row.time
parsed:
2:48
